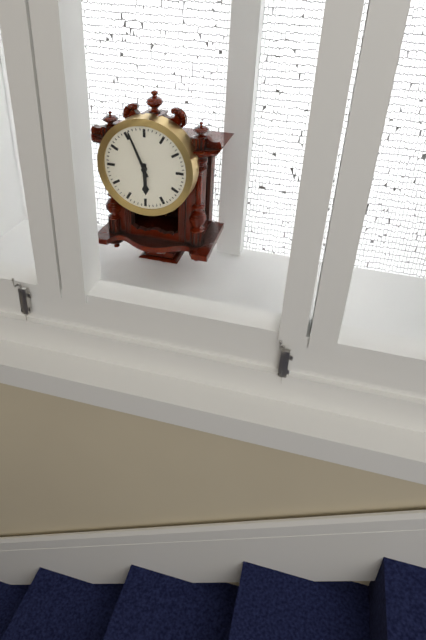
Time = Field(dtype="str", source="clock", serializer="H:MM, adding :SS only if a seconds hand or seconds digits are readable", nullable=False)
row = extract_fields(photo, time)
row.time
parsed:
5:56
